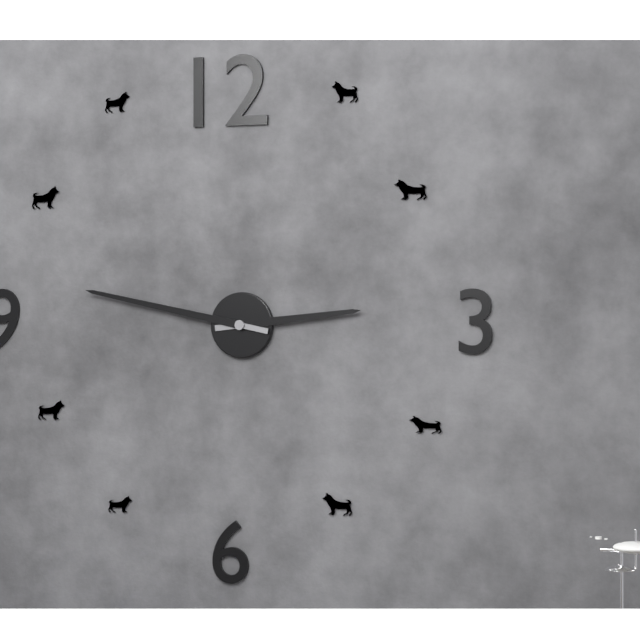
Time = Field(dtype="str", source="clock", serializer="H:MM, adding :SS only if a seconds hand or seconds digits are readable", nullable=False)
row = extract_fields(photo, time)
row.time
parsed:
2:47
